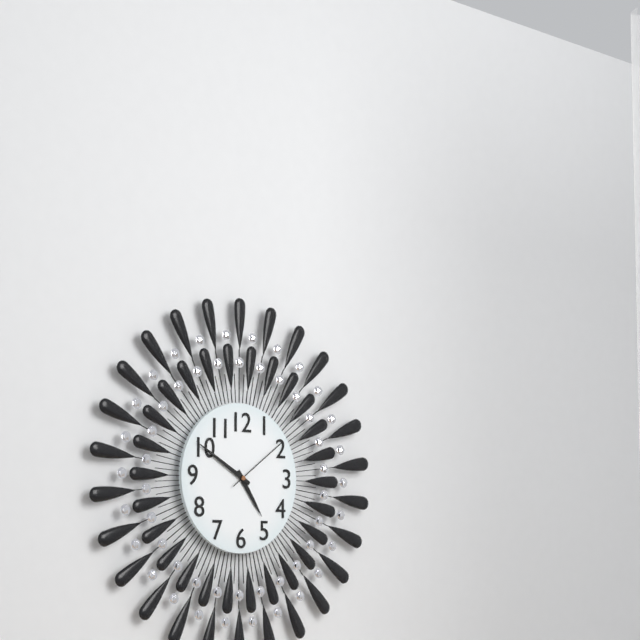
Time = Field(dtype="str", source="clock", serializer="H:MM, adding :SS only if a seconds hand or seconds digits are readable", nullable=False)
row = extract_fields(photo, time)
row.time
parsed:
4:50:09
